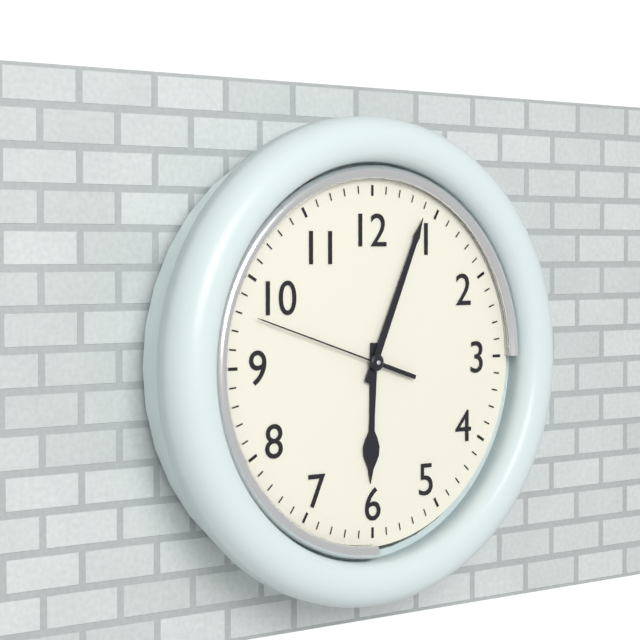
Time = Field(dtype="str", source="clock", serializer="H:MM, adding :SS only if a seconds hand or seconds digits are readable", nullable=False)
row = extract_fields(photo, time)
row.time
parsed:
6:04:48
